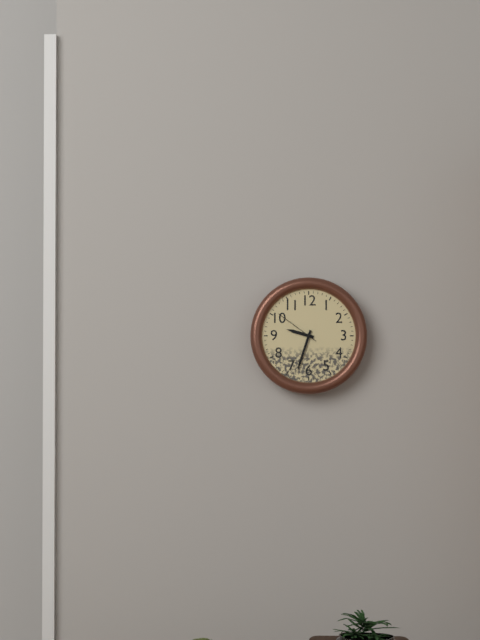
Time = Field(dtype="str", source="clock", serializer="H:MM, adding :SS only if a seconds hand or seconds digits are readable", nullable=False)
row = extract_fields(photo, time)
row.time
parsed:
9:33
